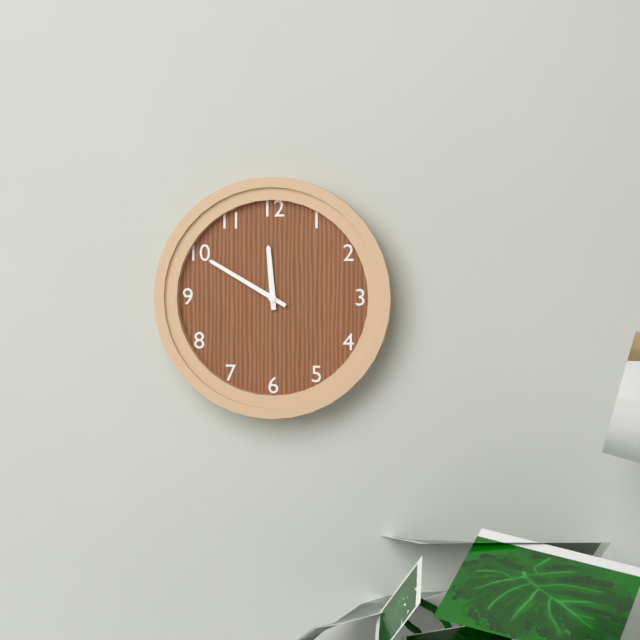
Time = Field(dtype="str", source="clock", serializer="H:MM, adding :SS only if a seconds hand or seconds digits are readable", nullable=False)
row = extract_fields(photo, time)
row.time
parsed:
11:50
